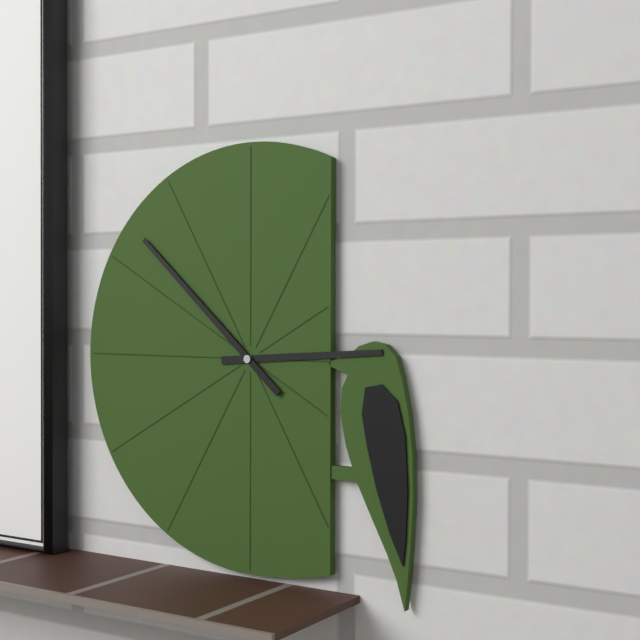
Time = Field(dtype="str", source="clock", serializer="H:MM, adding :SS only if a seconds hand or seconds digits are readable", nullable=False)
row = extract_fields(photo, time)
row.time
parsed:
2:52
